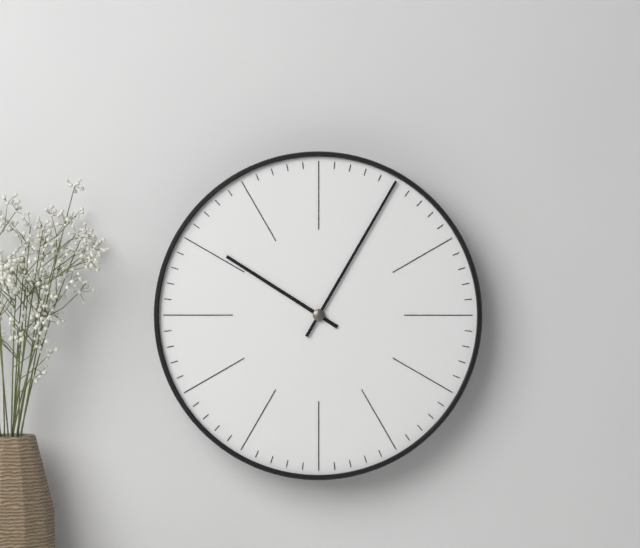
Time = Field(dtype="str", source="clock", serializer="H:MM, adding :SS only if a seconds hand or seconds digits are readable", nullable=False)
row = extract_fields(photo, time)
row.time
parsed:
10:05
